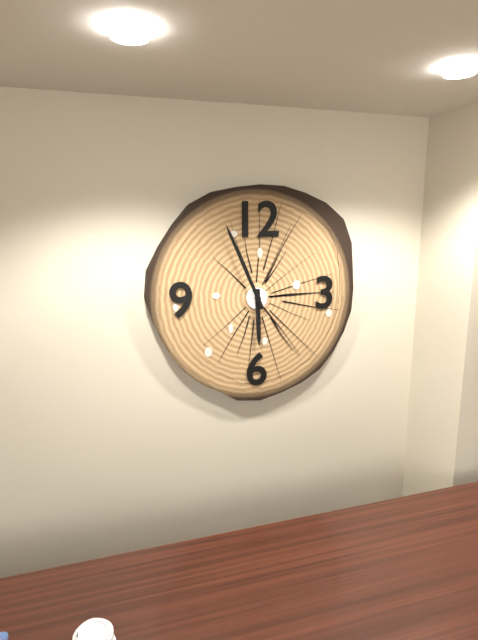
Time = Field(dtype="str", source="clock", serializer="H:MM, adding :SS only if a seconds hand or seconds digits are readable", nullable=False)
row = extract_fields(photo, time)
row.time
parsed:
5:56
